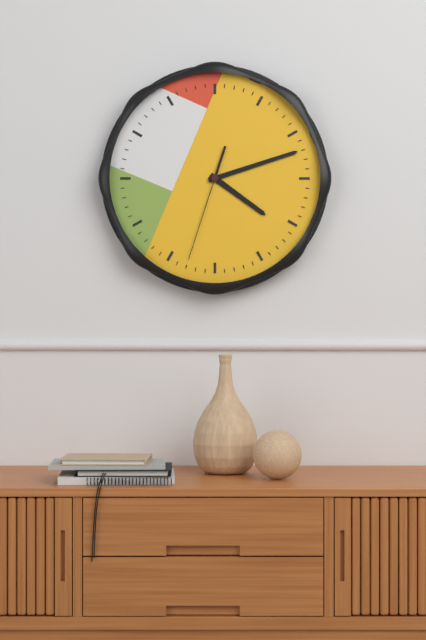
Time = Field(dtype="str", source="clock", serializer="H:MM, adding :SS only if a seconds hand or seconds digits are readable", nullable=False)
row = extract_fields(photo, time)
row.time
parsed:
4:12:33
